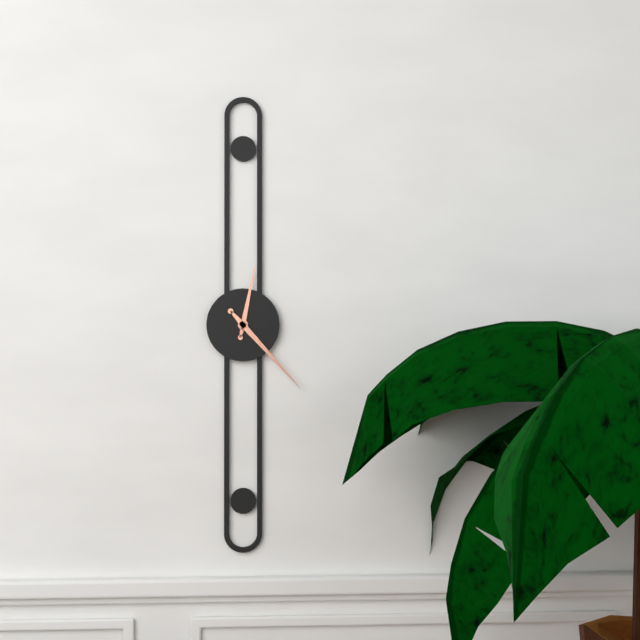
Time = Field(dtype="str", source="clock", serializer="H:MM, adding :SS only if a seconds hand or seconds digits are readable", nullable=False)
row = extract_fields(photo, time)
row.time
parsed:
12:23
